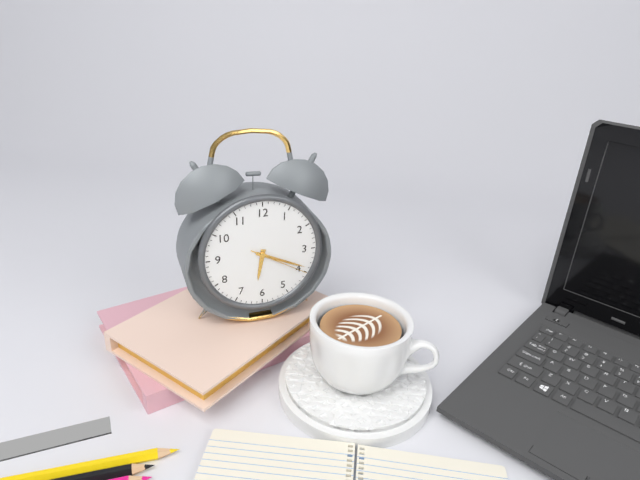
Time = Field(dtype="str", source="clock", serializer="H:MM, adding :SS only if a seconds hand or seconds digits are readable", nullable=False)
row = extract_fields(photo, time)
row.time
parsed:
6:19:20
